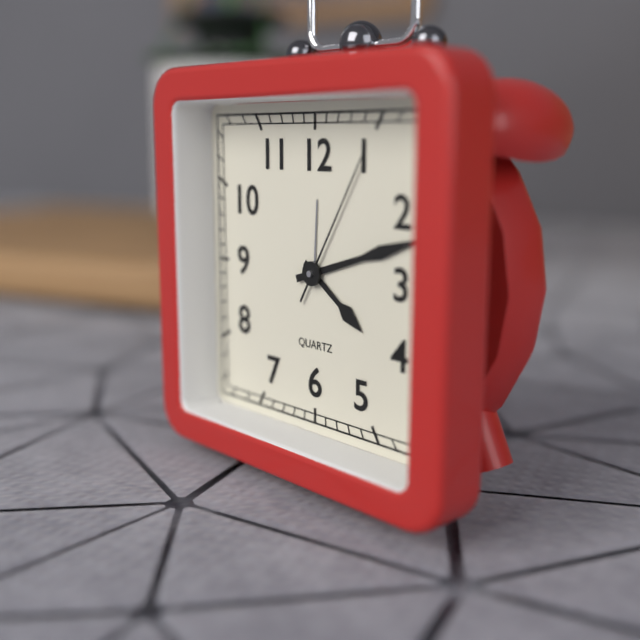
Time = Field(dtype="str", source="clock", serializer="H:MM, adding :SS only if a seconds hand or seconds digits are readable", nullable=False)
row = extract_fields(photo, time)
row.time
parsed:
4:12:05
